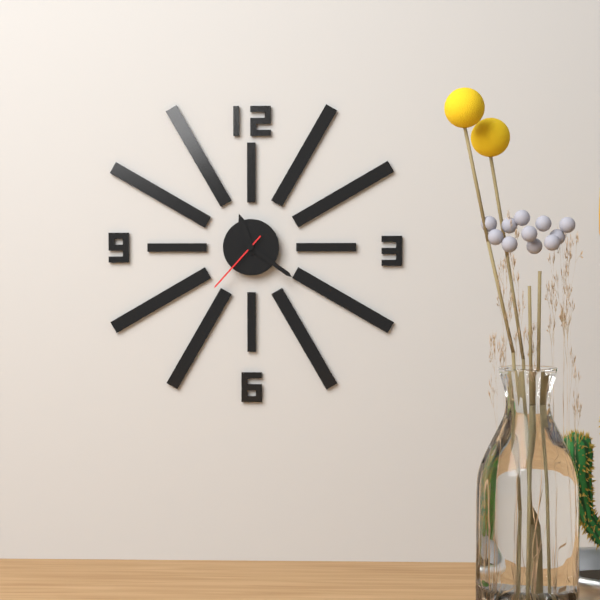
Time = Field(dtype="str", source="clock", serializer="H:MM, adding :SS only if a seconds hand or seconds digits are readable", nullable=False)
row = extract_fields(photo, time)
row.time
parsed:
11:21:37
